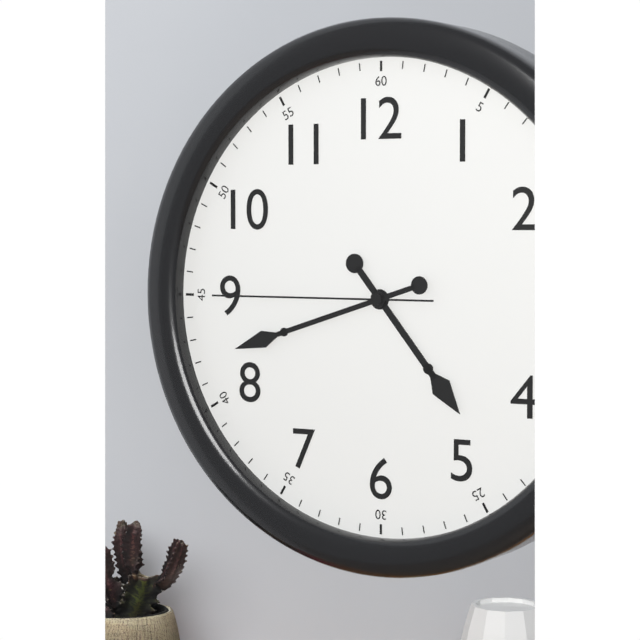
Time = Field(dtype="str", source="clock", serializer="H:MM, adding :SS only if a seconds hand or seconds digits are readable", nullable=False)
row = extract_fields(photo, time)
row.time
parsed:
4:42:45
